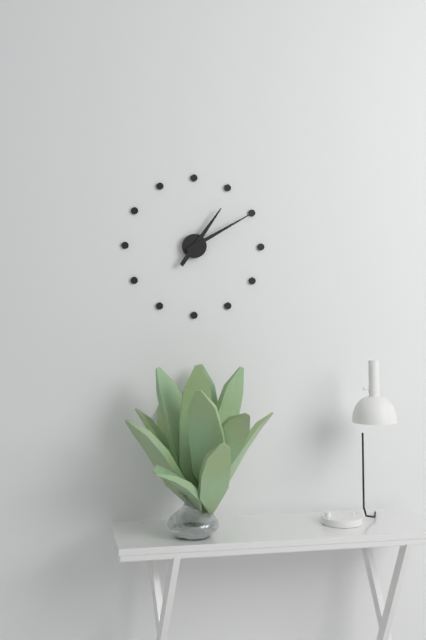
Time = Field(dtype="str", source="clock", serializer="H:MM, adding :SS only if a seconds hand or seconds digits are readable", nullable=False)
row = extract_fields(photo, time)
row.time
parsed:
1:10
